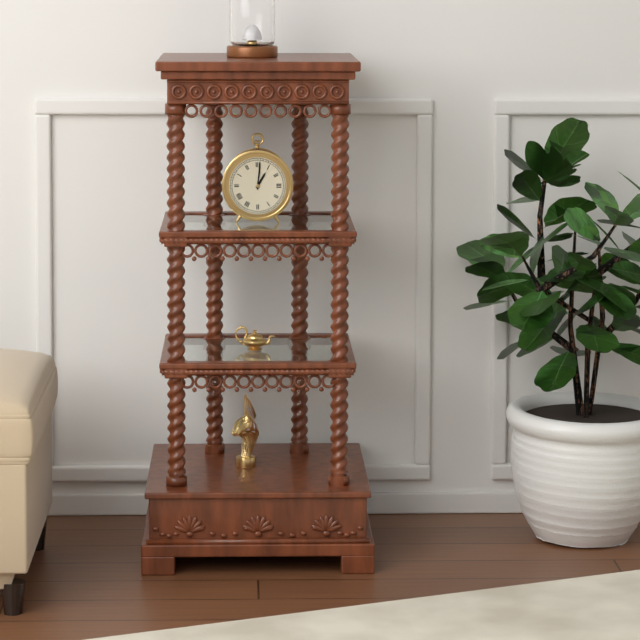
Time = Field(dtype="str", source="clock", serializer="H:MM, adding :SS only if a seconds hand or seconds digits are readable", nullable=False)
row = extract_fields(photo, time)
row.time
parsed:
1:01
